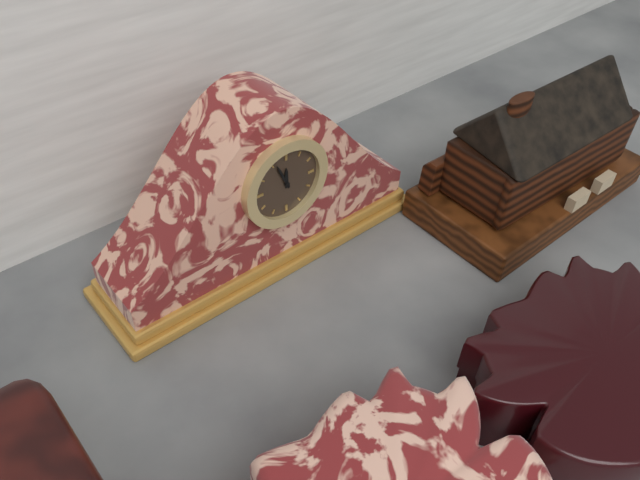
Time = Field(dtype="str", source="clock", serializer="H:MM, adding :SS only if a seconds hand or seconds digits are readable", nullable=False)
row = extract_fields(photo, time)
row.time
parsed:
11:56
